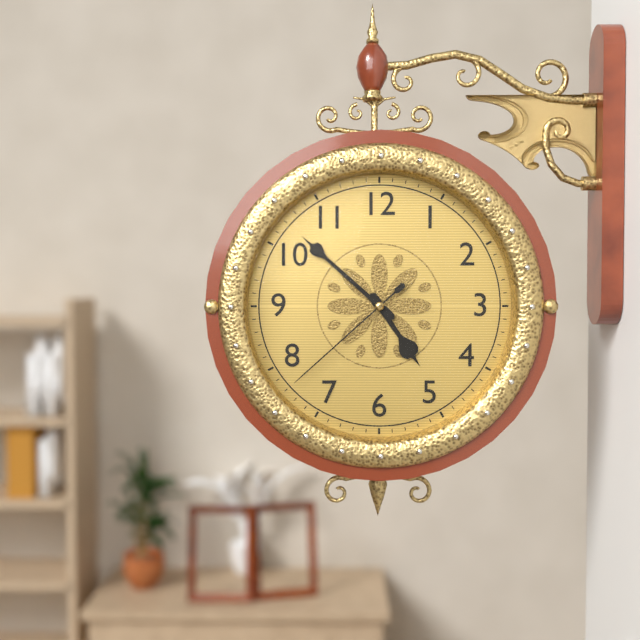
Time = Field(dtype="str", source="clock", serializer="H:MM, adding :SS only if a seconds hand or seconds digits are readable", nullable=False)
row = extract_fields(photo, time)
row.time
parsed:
4:52:38
